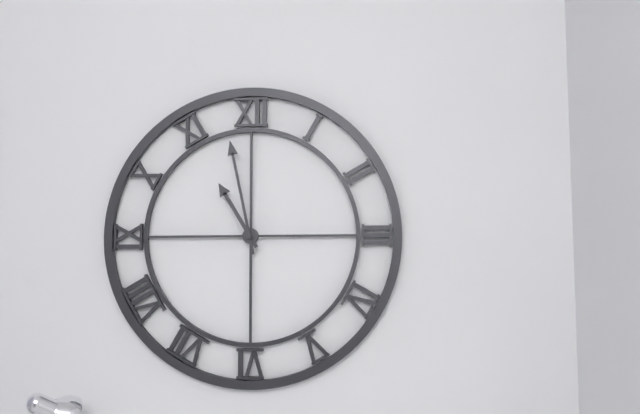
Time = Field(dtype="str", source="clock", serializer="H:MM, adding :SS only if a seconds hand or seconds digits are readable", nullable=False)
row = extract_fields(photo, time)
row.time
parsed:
10:58
